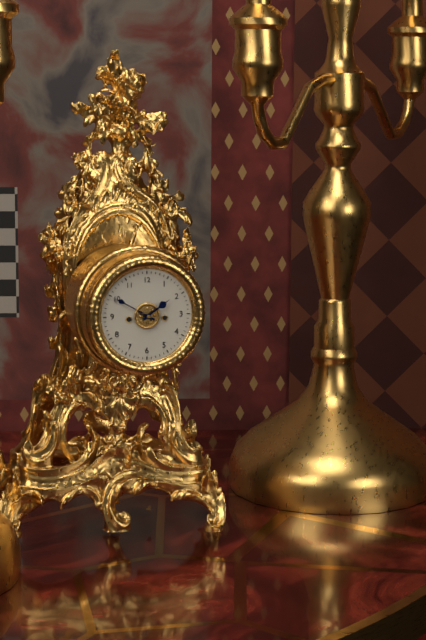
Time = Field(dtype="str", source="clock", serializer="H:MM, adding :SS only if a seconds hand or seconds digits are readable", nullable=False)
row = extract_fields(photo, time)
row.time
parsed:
1:50
